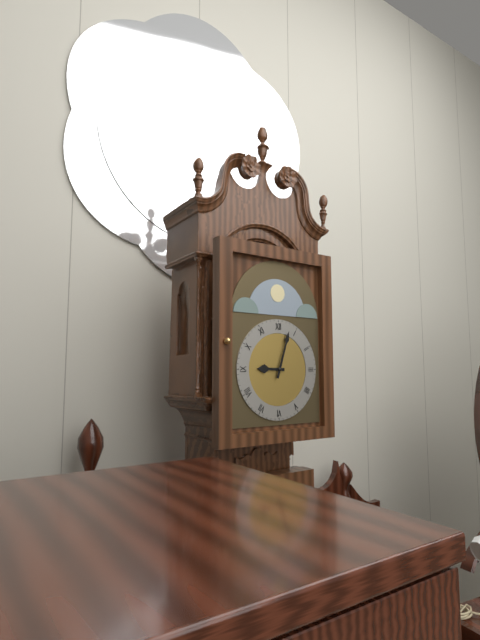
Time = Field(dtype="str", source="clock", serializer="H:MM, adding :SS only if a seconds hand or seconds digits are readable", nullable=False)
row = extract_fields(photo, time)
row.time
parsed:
9:03
